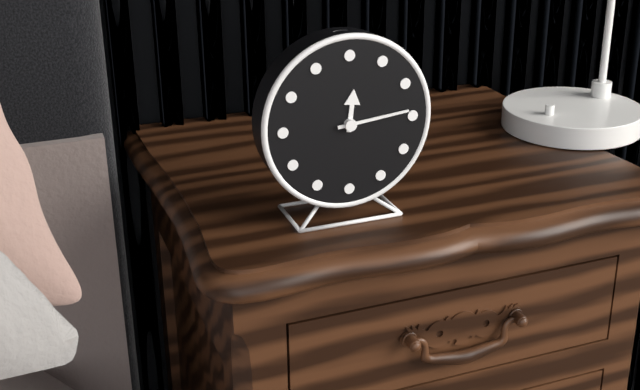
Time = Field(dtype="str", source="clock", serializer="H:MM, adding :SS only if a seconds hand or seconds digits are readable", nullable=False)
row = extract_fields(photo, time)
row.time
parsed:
12:14
